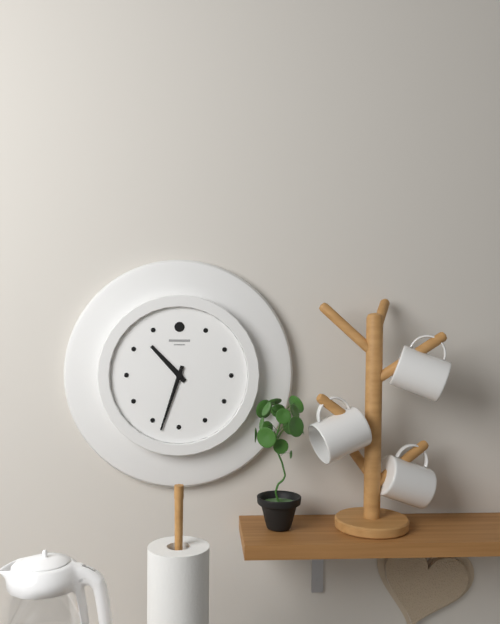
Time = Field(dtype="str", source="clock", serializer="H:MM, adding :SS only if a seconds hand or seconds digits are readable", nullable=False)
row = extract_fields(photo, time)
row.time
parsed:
10:33
